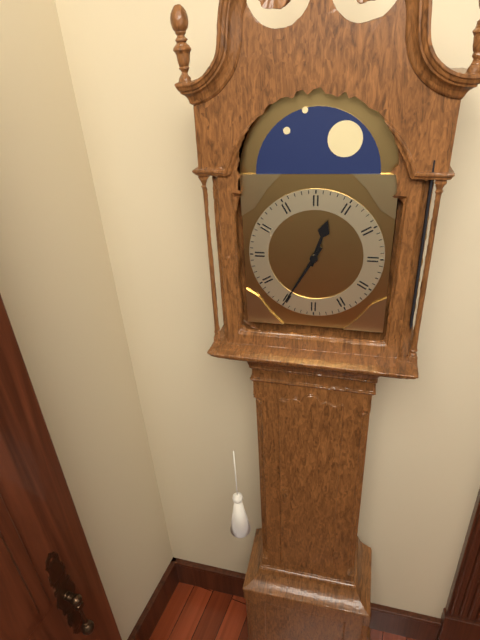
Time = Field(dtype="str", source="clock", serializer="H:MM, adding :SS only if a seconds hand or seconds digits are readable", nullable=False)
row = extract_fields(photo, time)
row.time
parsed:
12:35
